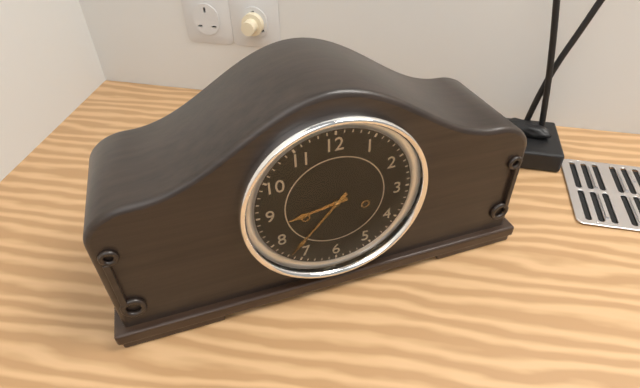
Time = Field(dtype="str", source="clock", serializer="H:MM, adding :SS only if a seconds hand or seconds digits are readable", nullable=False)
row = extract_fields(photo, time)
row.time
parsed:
8:37
